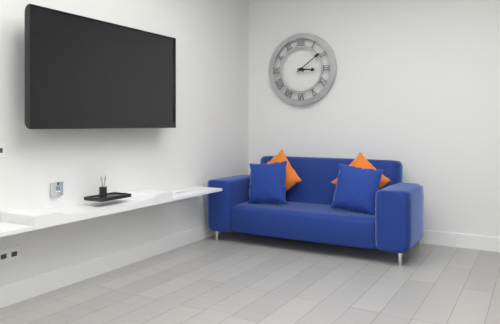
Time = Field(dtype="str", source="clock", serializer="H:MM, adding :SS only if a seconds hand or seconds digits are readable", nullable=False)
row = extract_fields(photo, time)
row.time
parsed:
3:09
